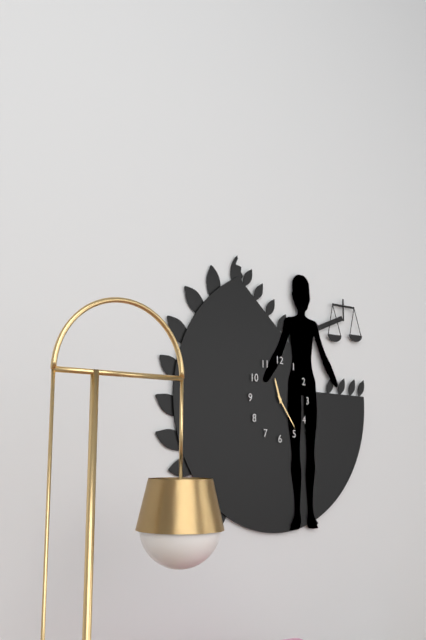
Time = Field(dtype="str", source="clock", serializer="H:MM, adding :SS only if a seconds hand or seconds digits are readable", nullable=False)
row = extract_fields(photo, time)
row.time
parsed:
11:24
